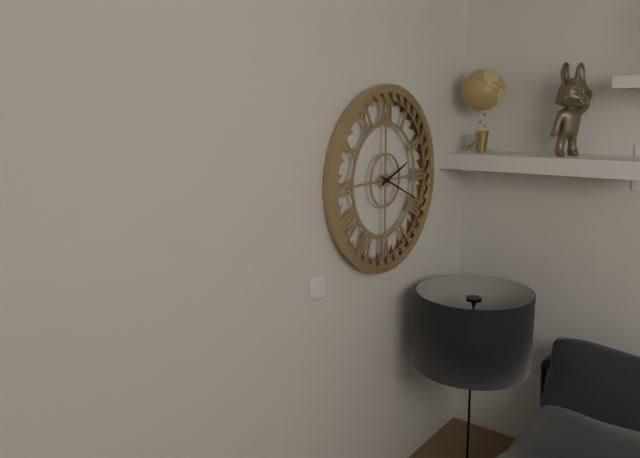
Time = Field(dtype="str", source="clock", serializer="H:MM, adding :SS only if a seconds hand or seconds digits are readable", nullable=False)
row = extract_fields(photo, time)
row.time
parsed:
2:19
